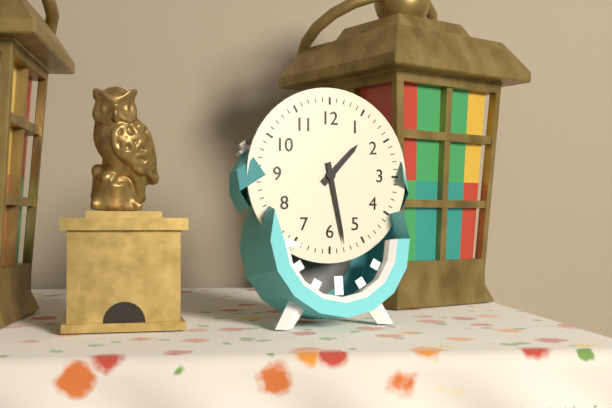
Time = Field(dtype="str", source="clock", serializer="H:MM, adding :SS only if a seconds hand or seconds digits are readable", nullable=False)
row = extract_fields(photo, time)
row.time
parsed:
1:28
